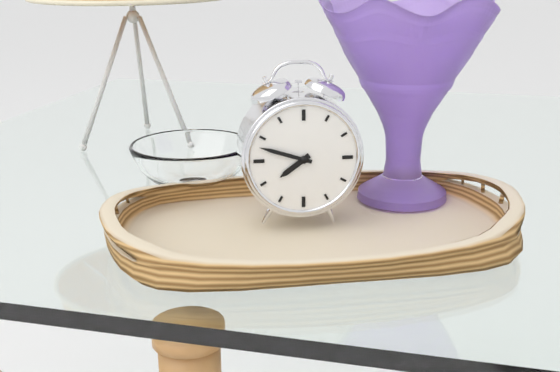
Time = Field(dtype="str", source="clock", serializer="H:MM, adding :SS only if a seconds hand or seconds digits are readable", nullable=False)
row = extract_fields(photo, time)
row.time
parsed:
7:48
